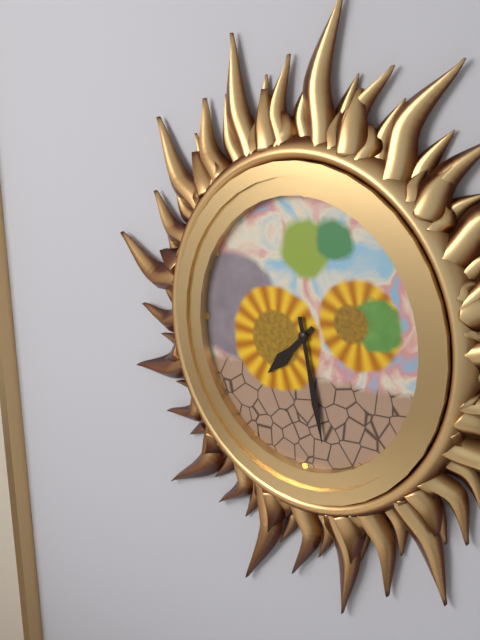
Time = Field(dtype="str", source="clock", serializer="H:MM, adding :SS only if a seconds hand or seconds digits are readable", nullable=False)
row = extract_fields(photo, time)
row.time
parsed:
7:28
